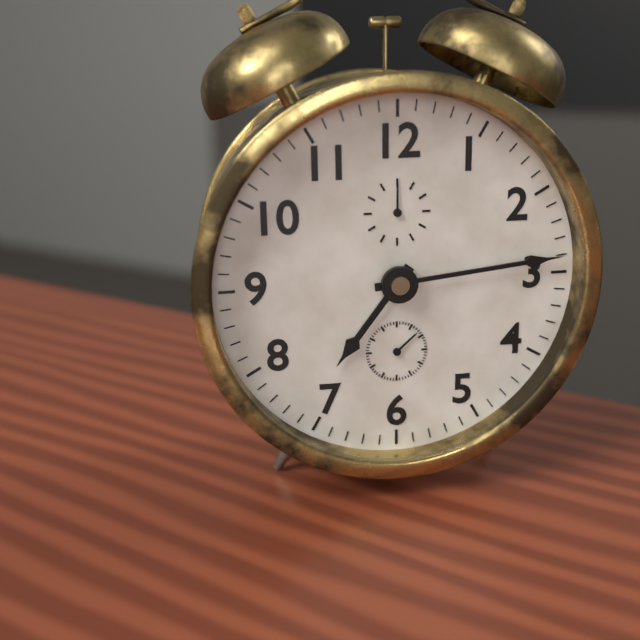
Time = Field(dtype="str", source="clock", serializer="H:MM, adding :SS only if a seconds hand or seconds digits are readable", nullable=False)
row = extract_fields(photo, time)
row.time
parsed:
7:14
